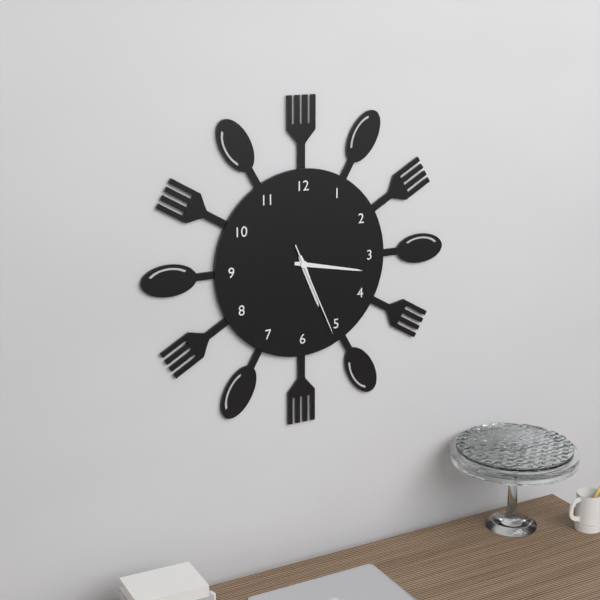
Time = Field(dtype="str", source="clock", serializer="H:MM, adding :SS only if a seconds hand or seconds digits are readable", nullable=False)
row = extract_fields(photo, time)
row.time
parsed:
5:17:26
